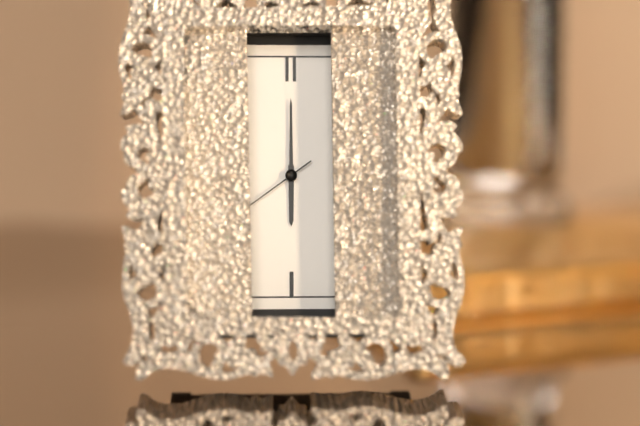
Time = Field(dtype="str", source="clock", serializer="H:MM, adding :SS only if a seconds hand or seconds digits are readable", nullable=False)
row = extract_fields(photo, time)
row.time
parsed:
6:00:39
